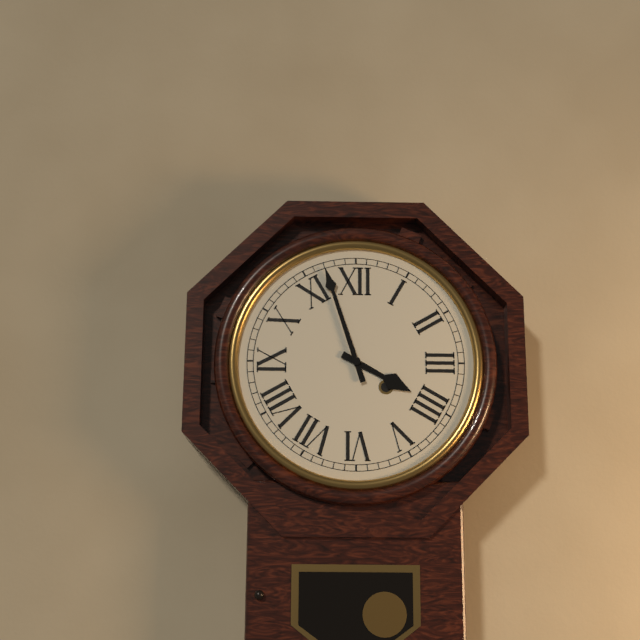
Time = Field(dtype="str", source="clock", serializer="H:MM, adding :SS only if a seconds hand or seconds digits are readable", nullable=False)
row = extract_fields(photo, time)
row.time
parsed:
3:57
